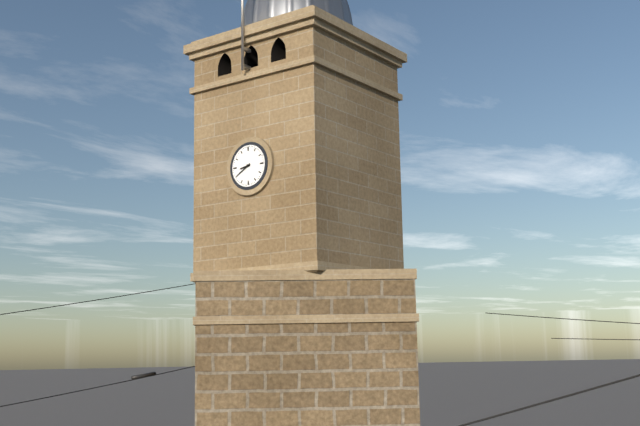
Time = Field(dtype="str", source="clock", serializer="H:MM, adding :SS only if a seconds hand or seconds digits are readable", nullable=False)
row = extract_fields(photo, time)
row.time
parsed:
8:40
